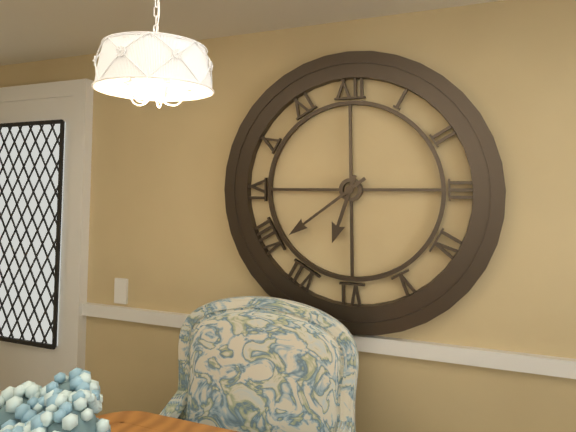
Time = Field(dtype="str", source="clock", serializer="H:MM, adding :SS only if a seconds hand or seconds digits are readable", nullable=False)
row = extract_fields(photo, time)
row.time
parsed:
6:39
